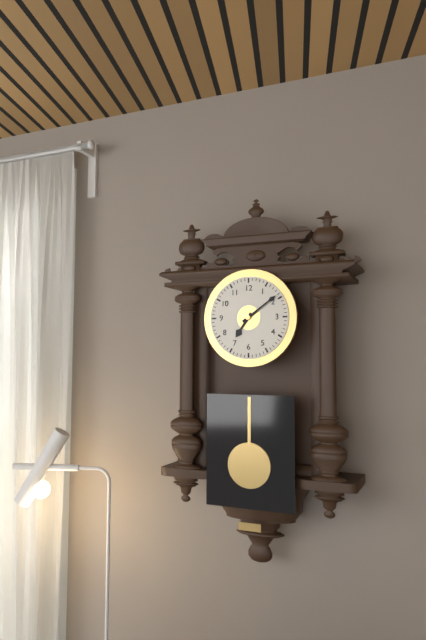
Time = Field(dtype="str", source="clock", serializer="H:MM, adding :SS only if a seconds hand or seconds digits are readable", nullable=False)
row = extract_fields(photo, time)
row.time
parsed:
7:09
